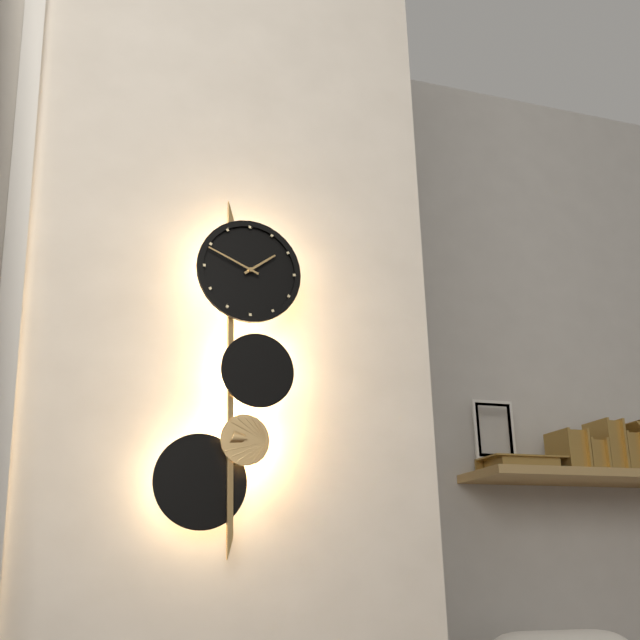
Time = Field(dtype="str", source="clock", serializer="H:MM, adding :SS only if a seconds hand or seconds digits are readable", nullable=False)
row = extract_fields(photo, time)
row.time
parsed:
1:49
